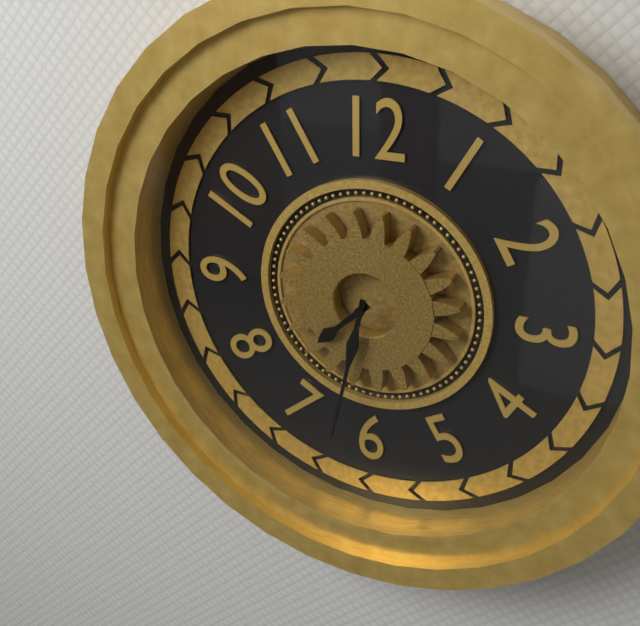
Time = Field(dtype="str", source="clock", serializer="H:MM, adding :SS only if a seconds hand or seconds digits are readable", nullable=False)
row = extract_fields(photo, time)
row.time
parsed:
7:32
